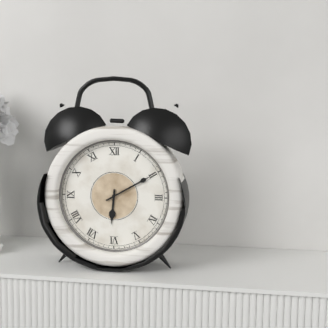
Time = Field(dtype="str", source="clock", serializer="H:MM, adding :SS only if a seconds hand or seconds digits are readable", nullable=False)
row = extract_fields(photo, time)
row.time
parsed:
6:10
